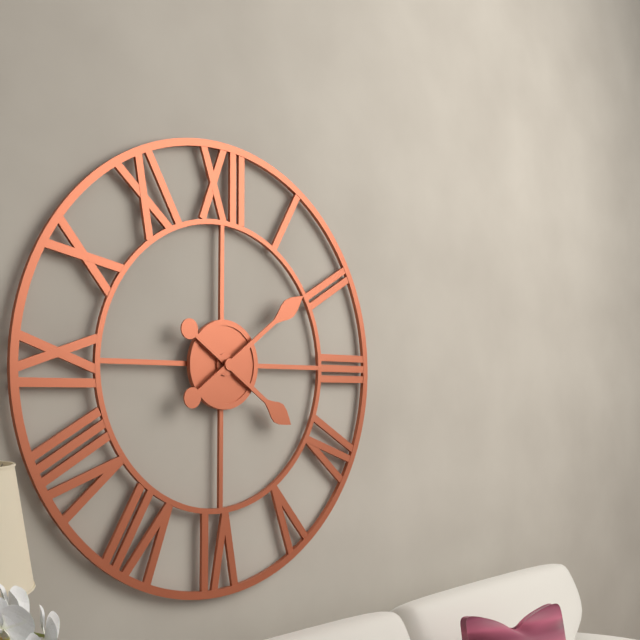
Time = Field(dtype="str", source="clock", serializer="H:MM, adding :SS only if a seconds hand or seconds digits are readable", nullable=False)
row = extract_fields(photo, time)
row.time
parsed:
4:09
